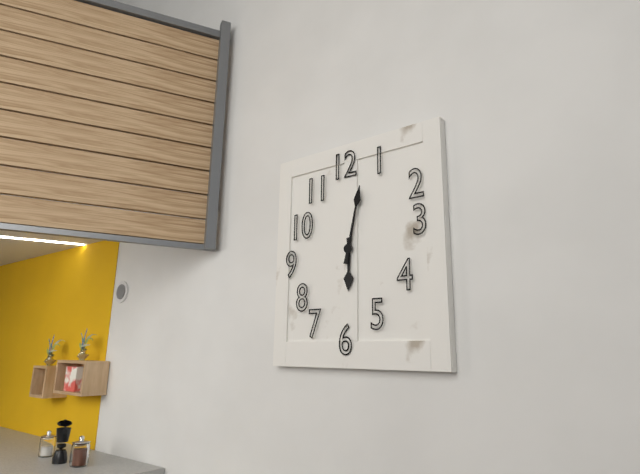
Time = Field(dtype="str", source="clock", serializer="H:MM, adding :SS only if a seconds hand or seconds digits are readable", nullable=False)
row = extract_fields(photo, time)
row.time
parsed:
6:02
